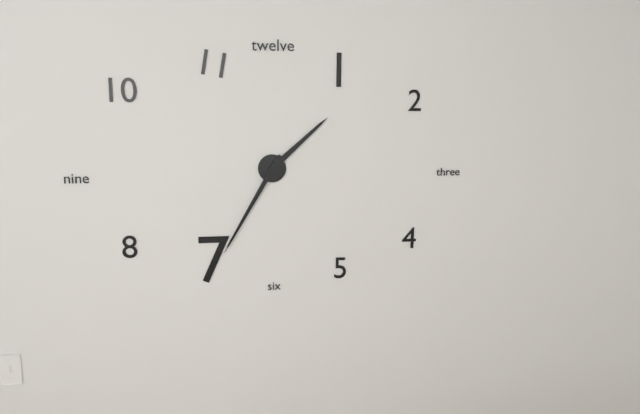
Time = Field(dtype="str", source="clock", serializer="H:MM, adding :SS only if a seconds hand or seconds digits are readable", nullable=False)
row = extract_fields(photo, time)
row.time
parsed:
1:35
